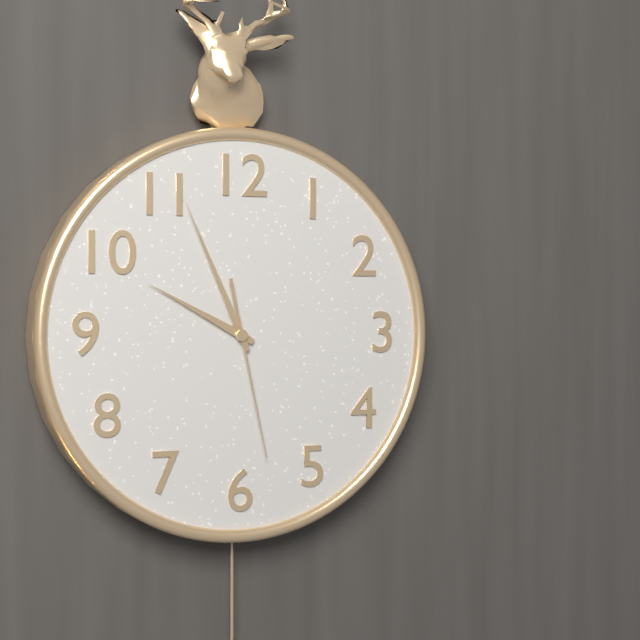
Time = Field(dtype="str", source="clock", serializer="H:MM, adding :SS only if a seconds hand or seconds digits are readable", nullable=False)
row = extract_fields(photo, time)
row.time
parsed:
9:56:28
